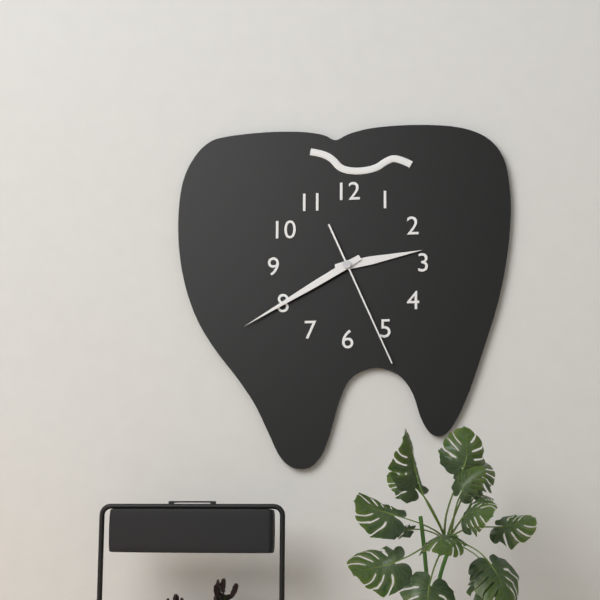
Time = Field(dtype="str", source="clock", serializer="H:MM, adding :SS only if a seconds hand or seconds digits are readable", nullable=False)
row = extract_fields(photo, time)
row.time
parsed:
2:40:26
